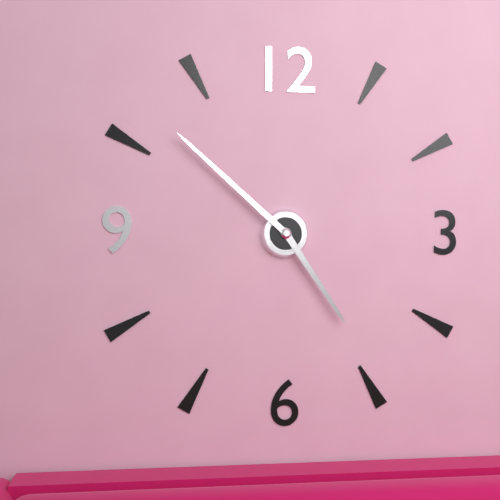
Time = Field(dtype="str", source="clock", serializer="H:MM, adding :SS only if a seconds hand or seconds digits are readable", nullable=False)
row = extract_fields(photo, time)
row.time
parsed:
4:52
